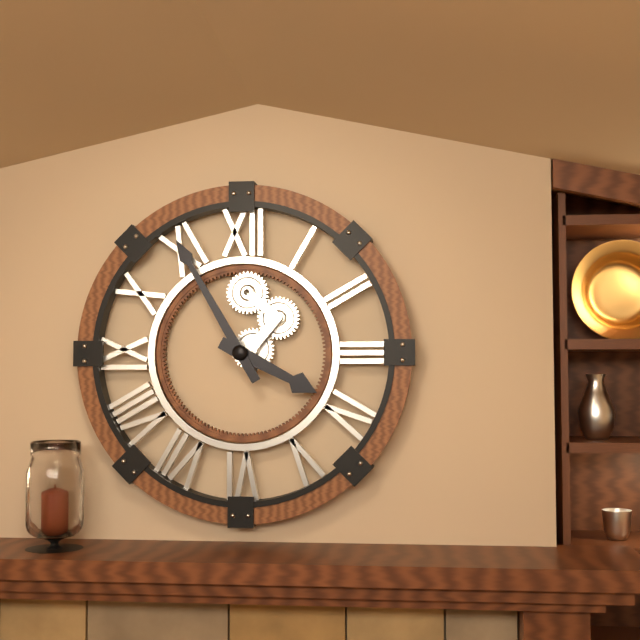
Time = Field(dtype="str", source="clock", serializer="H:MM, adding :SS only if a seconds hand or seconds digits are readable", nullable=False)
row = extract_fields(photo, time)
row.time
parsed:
3:55
